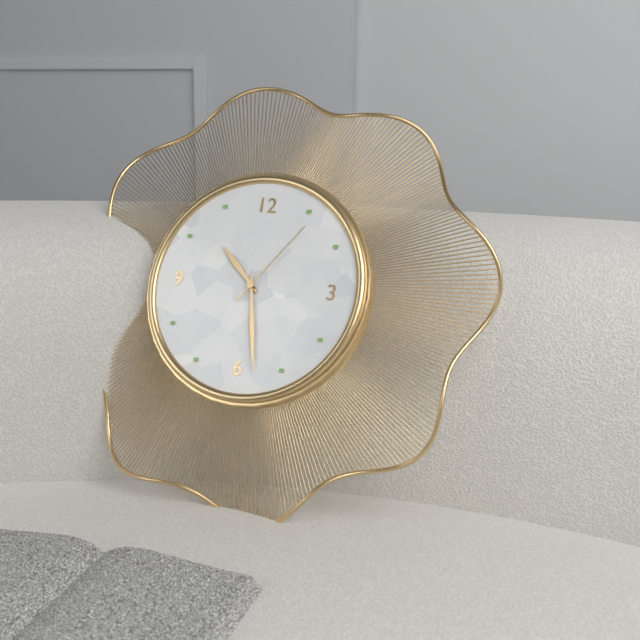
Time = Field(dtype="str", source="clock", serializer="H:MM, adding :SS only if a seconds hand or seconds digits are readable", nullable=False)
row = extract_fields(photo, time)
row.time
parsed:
10:28:06
